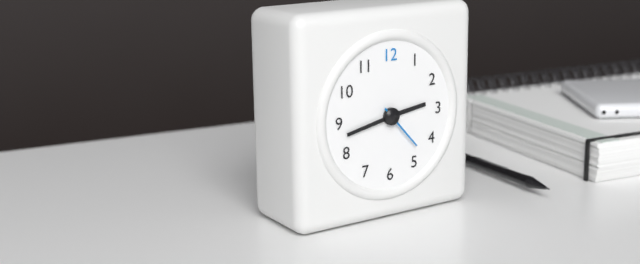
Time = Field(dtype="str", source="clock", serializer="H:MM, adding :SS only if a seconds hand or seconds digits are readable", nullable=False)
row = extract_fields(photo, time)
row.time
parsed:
2:43
